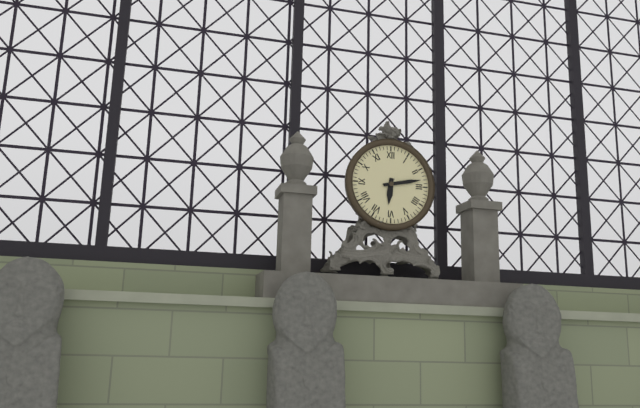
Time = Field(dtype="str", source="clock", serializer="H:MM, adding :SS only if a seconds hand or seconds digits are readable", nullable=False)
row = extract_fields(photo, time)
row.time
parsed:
6:13
